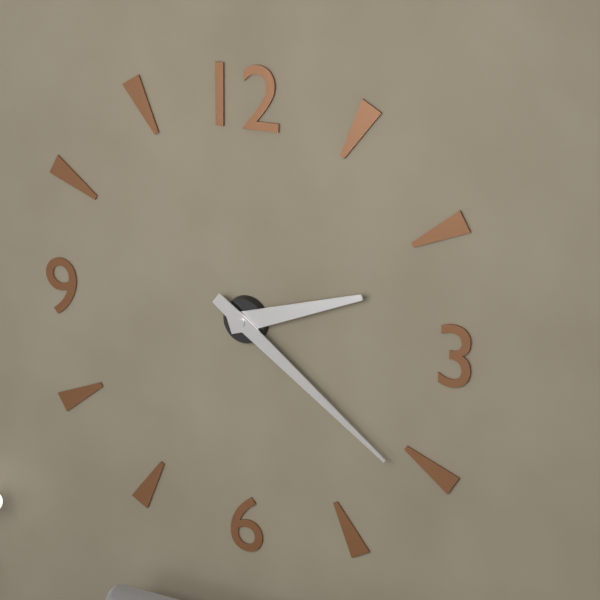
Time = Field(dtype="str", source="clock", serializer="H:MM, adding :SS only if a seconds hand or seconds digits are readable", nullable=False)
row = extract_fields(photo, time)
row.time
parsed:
2:21
